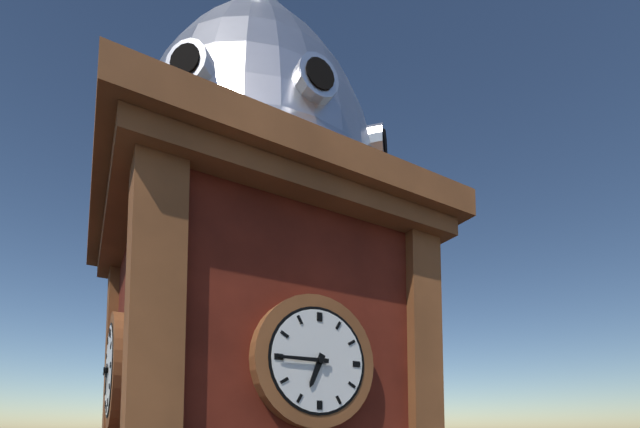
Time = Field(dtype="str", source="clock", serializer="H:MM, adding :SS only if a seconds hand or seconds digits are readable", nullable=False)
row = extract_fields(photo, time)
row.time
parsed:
6:45
